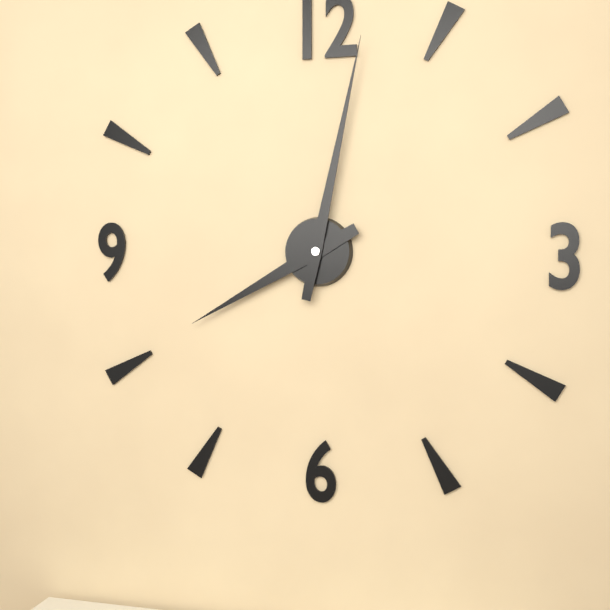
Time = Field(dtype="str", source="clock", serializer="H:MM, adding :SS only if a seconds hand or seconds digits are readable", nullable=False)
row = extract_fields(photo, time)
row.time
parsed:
8:02
